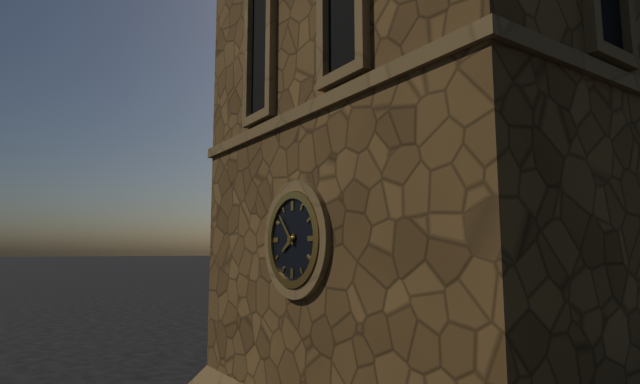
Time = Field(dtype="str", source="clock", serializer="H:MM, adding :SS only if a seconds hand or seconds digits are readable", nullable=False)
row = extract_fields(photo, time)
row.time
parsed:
7:53
